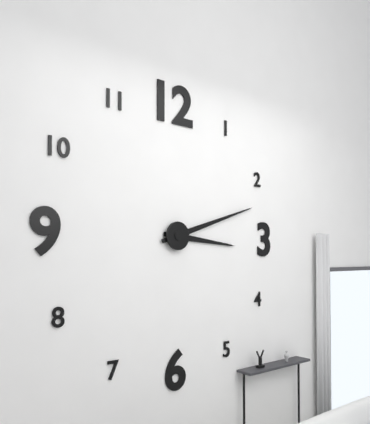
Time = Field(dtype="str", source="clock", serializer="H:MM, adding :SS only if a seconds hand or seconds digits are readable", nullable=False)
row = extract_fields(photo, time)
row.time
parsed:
3:12
